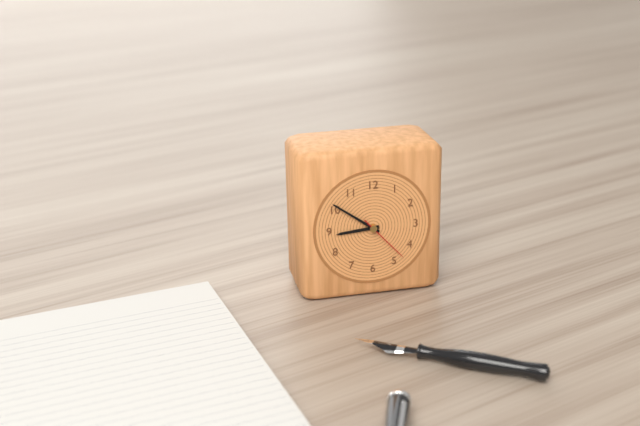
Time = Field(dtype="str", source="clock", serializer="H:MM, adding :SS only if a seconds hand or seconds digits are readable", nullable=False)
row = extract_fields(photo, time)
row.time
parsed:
8:51:23
